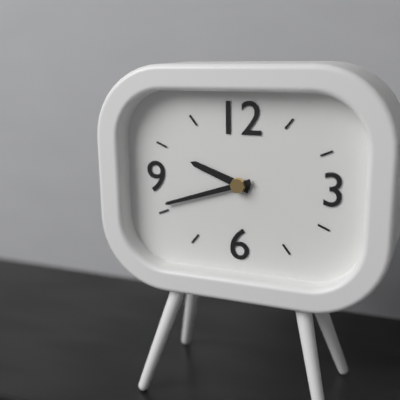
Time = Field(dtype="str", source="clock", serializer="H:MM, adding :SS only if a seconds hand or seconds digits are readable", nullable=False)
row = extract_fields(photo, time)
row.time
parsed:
9:42
